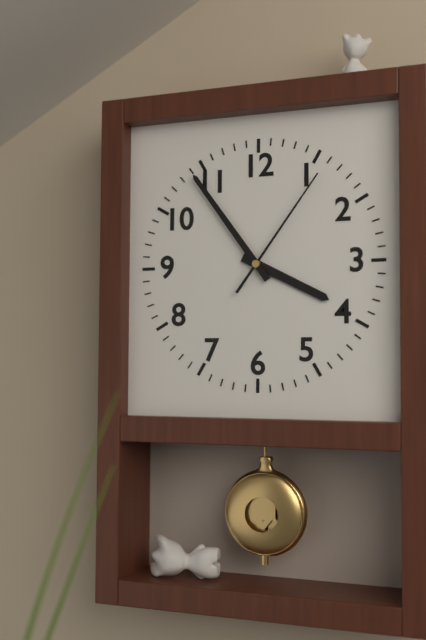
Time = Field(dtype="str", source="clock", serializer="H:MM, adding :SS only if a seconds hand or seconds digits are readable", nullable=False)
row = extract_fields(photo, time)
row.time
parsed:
3:54:06
